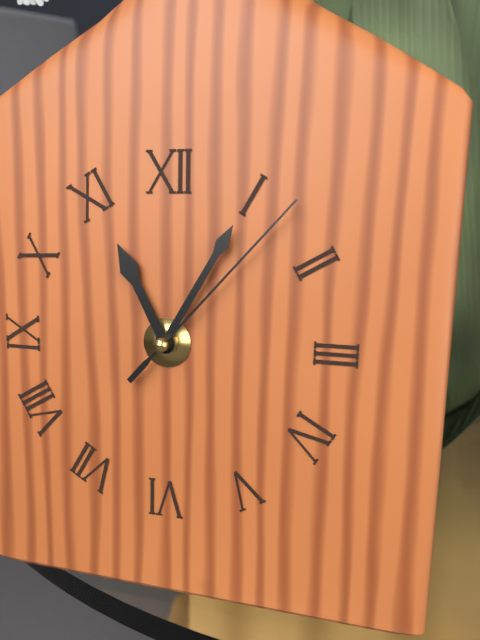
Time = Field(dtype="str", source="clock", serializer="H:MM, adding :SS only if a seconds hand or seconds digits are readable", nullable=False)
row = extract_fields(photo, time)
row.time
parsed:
11:05:07
